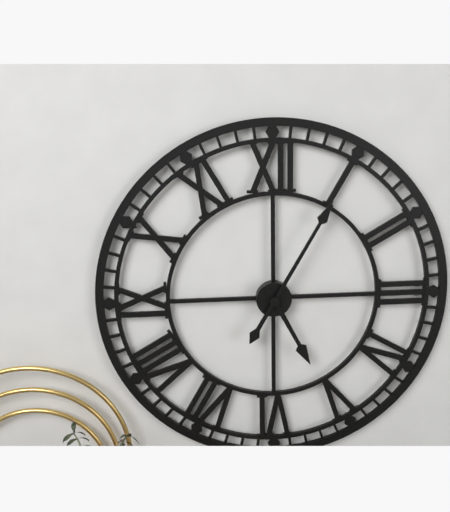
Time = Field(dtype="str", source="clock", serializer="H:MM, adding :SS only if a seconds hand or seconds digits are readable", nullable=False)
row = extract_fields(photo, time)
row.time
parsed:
5:05
